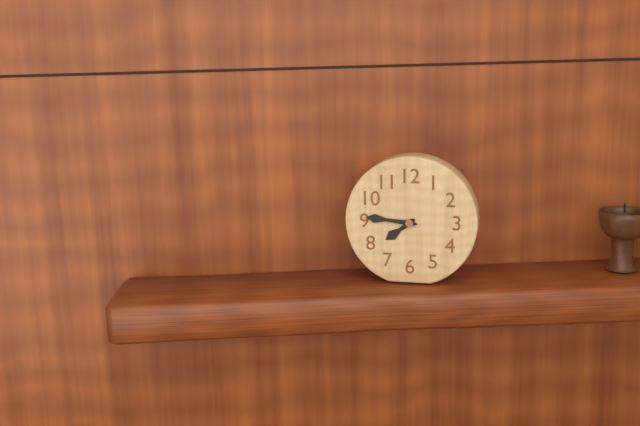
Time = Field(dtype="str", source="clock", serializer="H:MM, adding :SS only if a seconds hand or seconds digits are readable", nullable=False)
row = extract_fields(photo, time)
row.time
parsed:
7:46
